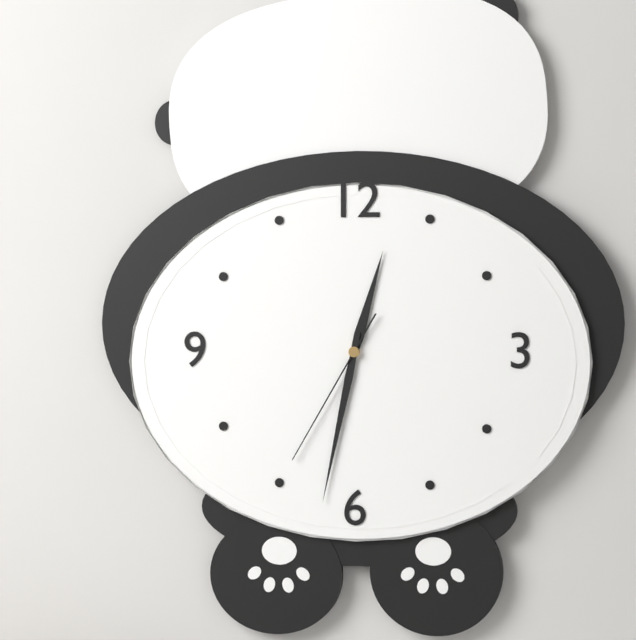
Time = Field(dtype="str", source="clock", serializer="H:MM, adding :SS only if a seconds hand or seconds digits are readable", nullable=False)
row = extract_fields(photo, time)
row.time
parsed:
12:32:35
